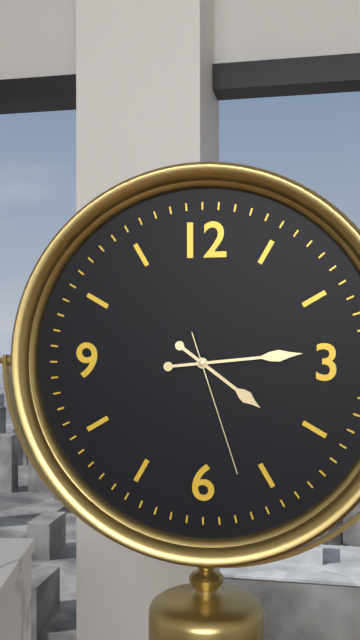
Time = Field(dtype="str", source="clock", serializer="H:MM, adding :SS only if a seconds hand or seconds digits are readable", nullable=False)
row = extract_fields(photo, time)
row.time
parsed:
4:14:27
